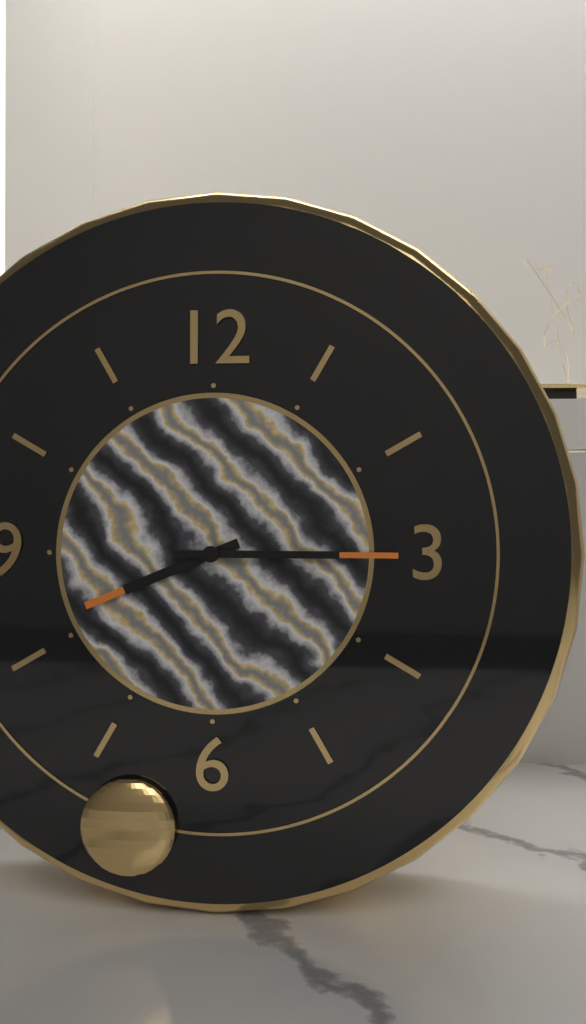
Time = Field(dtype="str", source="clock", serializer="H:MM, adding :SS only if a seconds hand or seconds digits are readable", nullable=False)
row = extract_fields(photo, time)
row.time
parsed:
8:15
